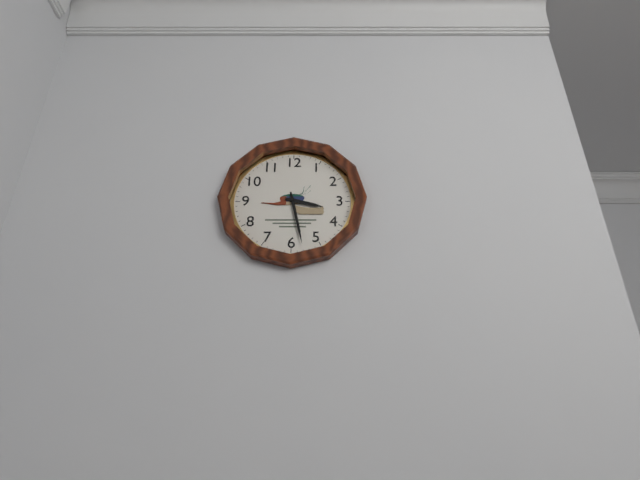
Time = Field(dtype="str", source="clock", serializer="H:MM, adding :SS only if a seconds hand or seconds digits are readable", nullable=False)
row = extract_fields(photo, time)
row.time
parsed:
3:28
